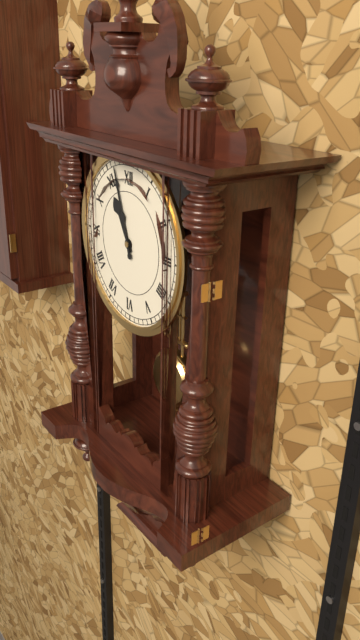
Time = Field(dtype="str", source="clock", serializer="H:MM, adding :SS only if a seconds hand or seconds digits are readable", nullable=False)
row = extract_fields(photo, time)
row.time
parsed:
10:57
